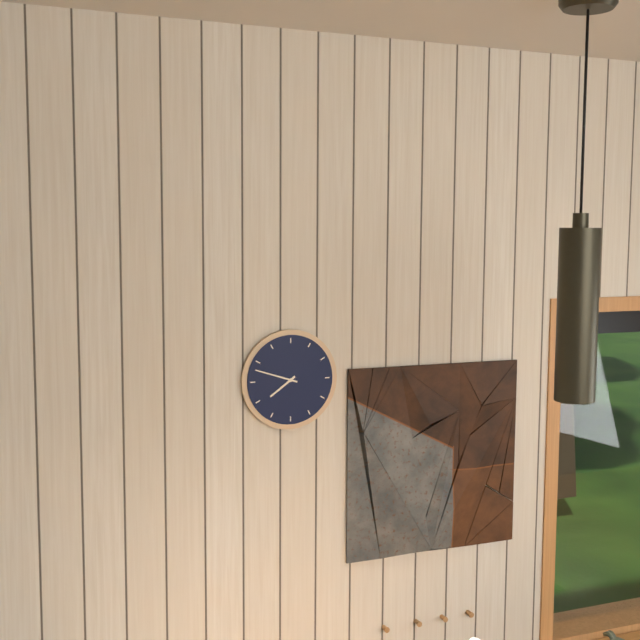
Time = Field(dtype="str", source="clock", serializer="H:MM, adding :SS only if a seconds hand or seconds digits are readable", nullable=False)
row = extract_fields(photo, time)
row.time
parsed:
7:48
